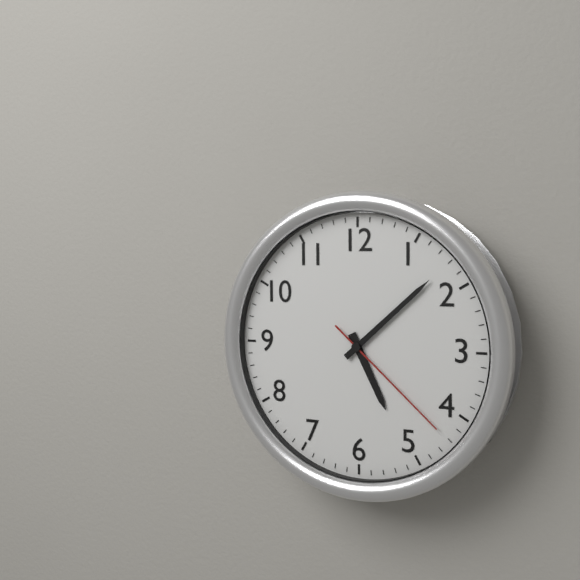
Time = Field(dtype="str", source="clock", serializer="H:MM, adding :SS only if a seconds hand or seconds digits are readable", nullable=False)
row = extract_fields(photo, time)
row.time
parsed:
5:08:22
